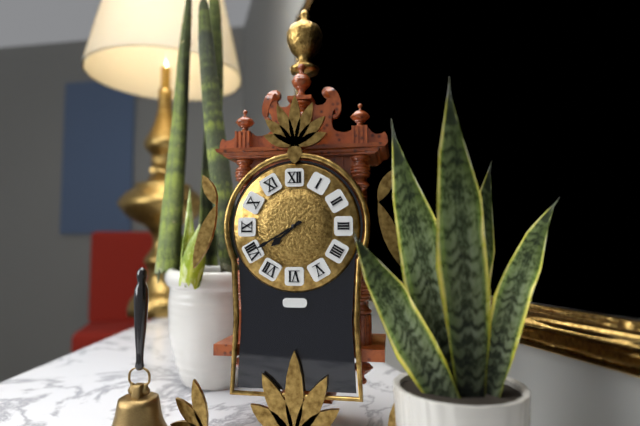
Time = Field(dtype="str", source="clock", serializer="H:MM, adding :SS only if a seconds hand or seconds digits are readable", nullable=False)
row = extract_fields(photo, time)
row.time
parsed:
7:40
